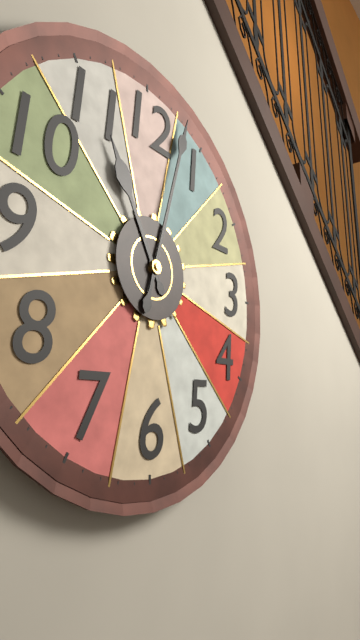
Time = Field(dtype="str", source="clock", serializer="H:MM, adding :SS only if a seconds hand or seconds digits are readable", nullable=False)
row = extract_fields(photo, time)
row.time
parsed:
11:03
